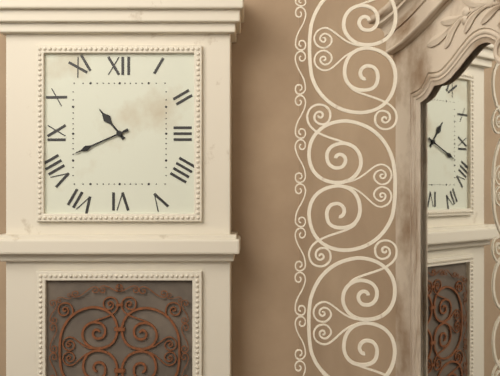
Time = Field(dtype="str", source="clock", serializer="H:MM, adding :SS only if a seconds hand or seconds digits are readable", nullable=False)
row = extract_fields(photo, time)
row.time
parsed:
10:41
